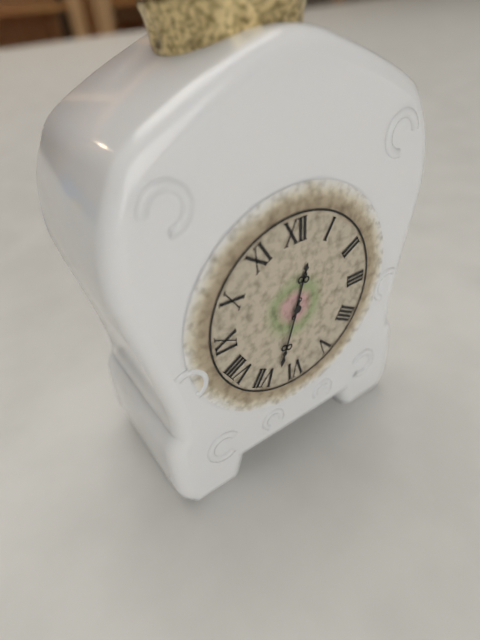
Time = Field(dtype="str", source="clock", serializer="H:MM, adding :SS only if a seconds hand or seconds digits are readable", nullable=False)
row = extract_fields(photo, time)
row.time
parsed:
12:33
